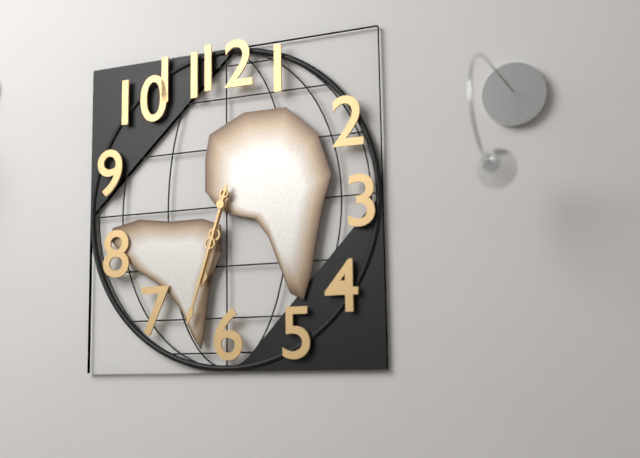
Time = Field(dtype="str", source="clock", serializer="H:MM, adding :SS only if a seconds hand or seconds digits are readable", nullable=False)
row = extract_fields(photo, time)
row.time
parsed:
6:33
